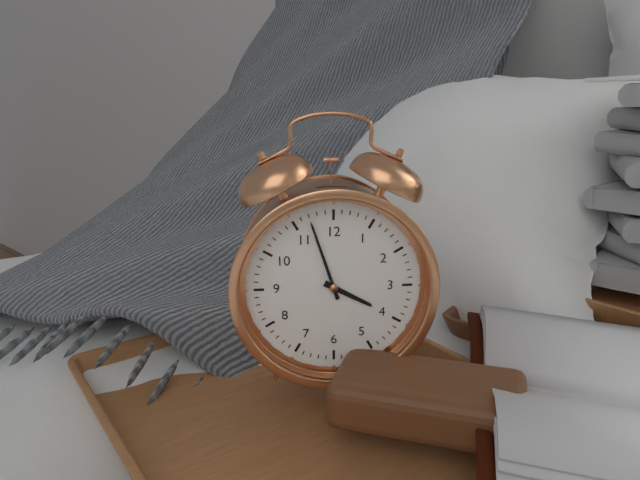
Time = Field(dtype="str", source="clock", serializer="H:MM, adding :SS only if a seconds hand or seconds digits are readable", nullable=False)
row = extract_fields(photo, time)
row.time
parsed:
3:57
